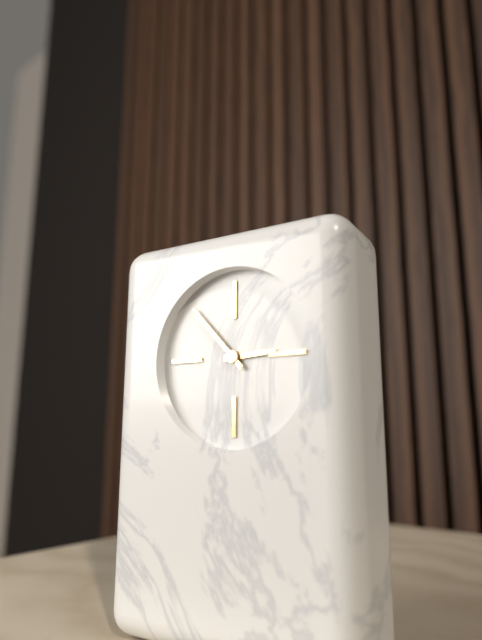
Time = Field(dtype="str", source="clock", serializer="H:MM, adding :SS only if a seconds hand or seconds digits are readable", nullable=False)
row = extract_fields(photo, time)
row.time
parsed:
2:53
